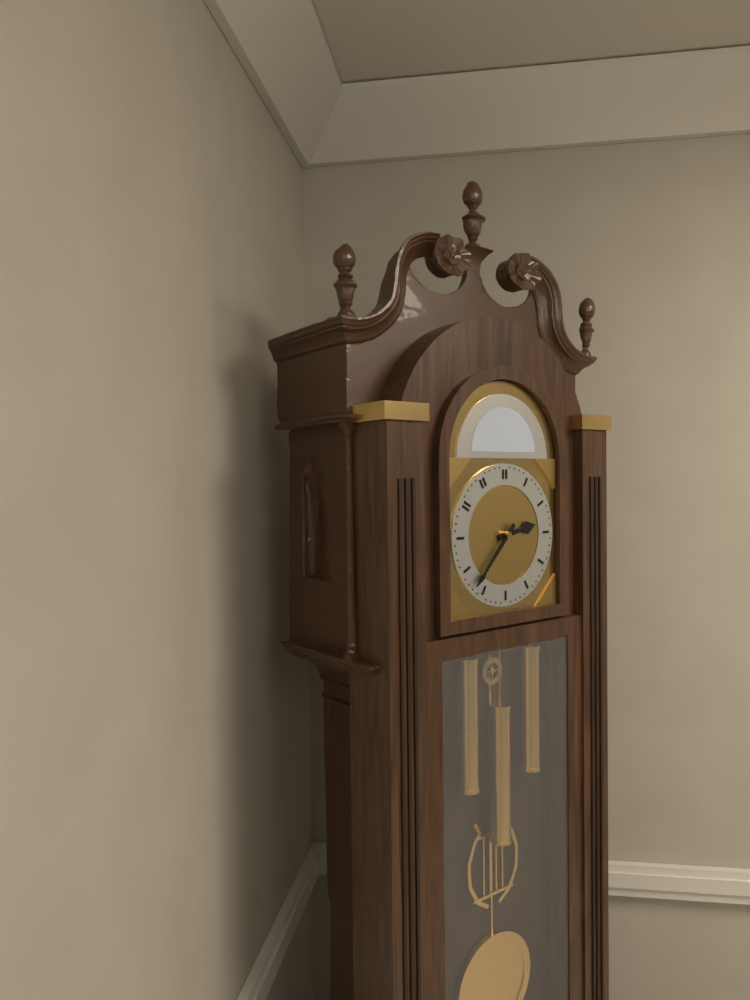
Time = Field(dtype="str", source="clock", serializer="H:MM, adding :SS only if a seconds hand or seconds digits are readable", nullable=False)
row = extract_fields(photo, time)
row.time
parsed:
2:37
